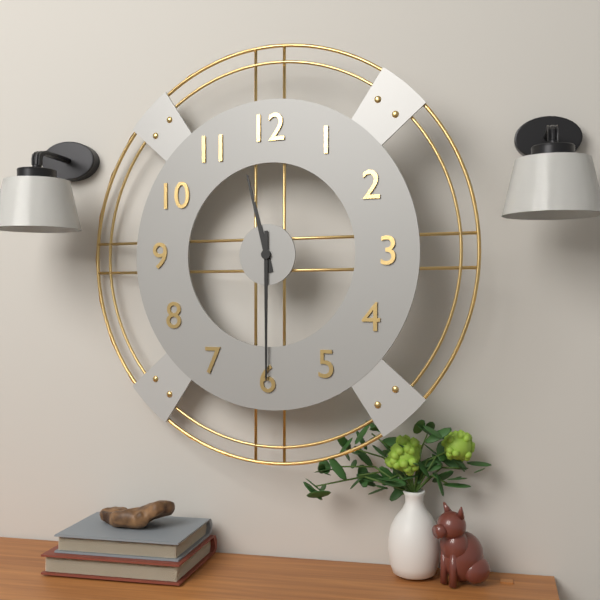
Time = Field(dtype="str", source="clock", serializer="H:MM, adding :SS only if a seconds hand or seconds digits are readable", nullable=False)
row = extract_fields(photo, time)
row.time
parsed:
11:30
